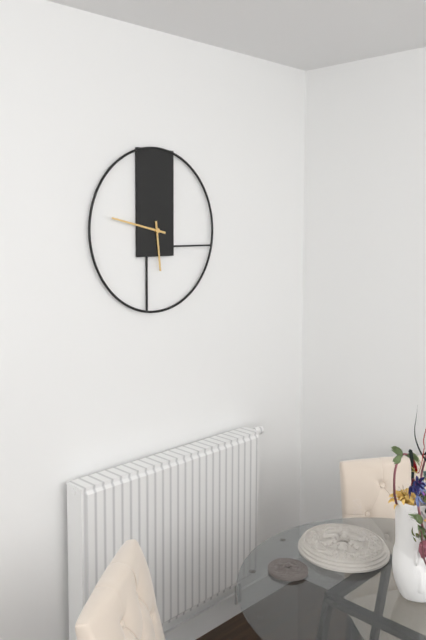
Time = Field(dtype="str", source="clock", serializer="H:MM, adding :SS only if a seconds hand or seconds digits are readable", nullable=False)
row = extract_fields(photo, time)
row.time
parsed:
5:47
